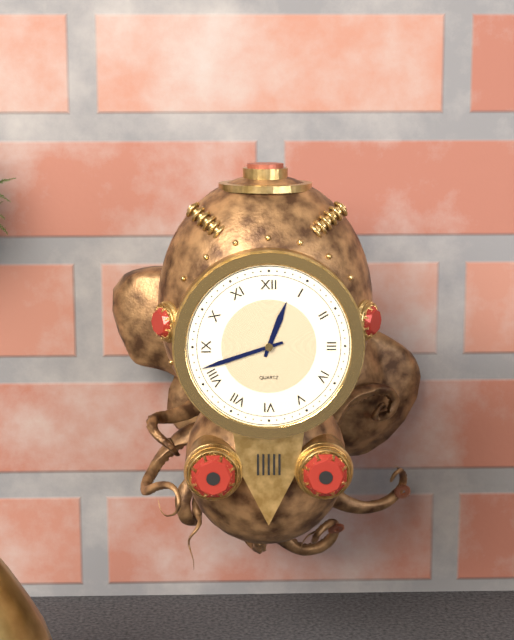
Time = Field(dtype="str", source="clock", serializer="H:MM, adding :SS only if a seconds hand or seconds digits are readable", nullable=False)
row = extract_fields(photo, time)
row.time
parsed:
12:42
